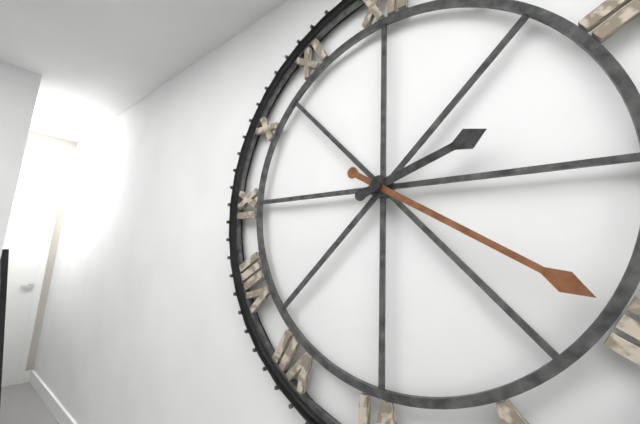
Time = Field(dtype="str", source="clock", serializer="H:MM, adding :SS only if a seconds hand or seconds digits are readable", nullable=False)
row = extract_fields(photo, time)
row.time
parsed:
2:20
